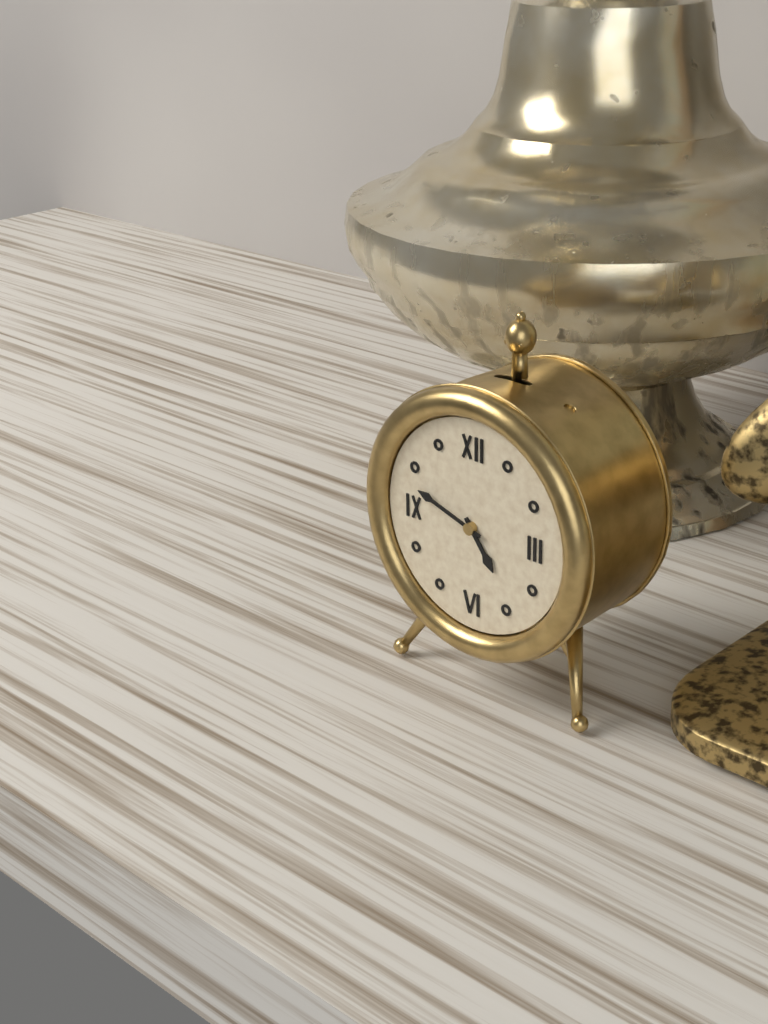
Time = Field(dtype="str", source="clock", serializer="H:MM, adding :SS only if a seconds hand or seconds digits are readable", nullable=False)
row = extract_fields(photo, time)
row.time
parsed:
4:48
